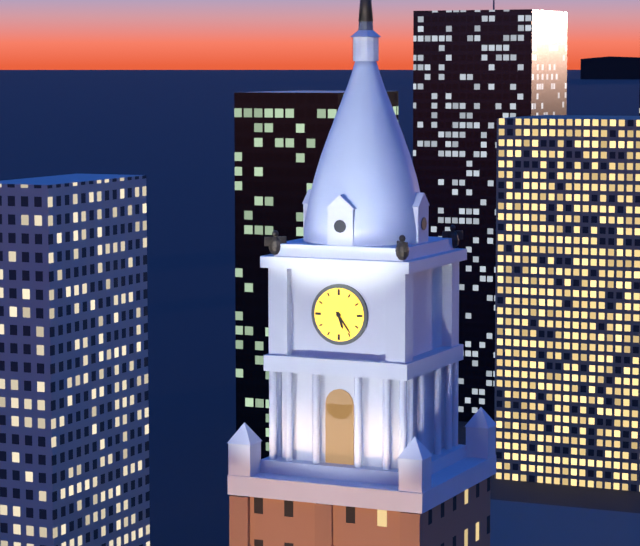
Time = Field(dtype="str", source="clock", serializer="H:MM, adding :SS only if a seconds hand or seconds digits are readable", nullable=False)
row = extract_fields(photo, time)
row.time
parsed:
5:24
